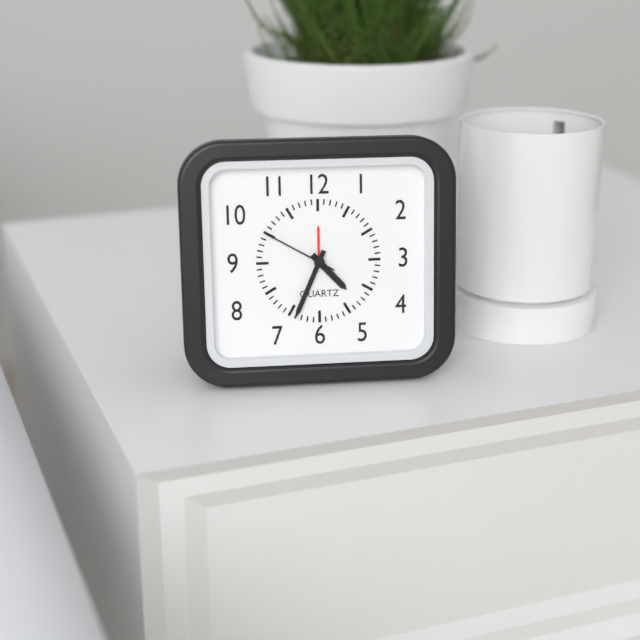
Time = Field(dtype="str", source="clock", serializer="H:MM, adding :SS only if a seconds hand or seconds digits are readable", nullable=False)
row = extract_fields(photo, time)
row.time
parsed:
4:34:50
